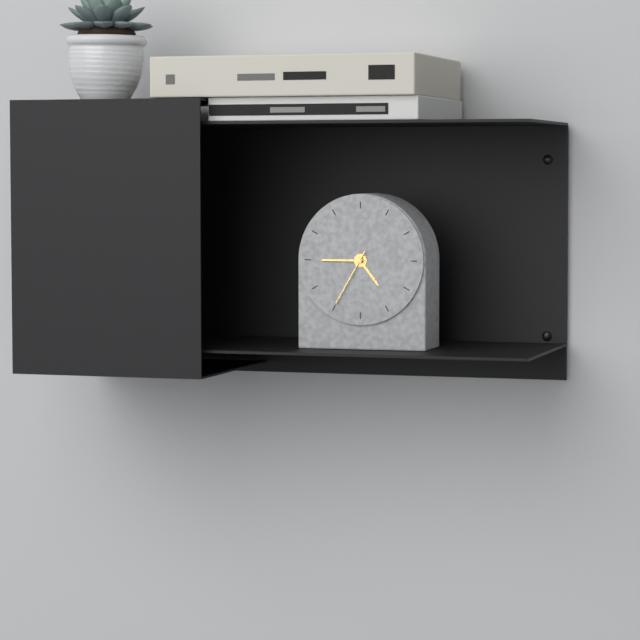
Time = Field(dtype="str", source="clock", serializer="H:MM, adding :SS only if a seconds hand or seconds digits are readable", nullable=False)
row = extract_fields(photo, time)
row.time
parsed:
4:45:35
